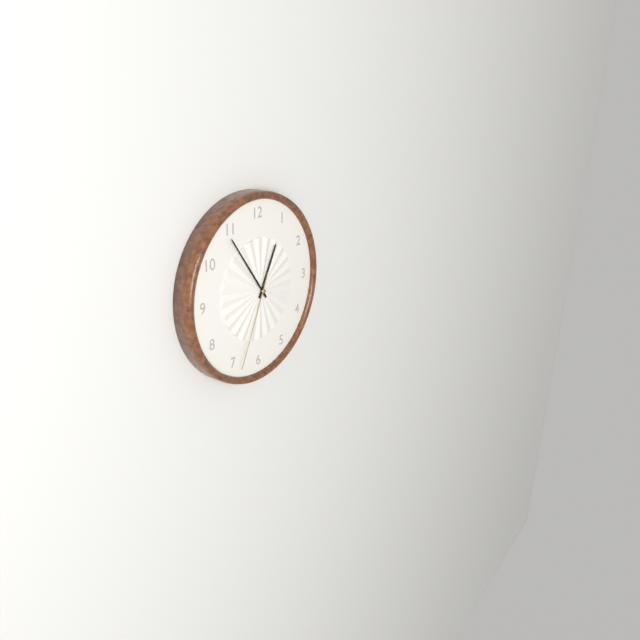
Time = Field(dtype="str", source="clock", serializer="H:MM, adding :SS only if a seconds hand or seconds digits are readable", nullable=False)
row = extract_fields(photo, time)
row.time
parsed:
12:54:34
